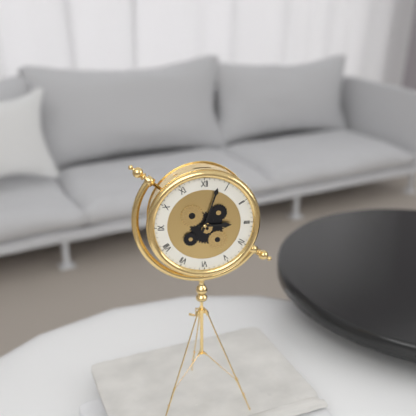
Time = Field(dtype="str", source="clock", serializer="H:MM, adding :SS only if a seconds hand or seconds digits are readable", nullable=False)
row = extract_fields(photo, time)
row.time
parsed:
3:03
